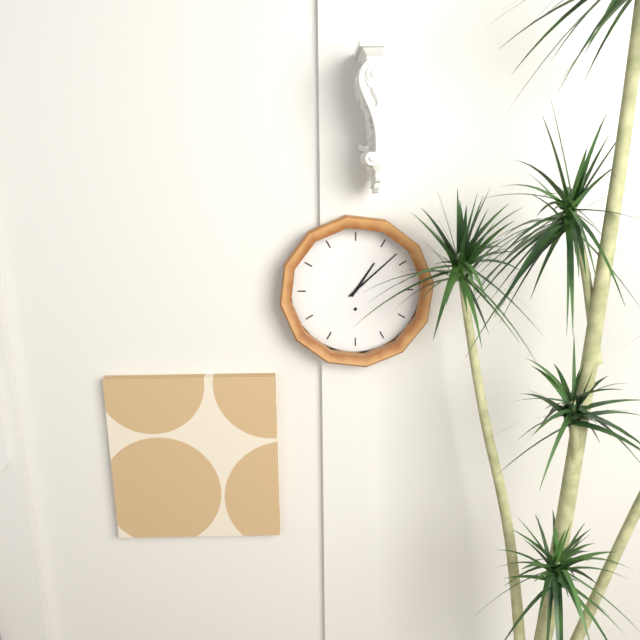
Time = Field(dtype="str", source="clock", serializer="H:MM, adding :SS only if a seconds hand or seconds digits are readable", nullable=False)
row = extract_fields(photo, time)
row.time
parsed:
1:08
